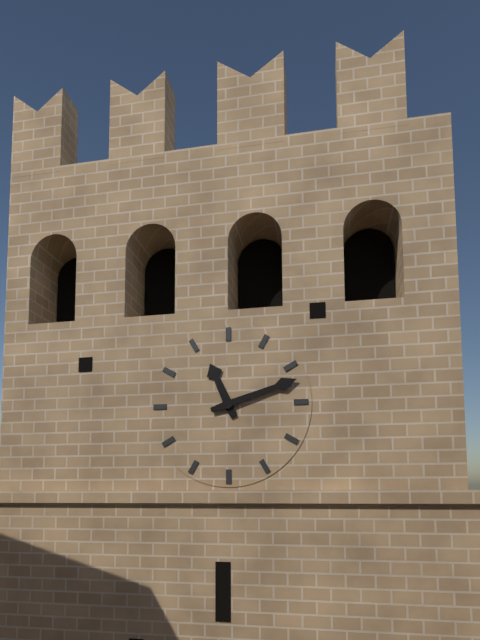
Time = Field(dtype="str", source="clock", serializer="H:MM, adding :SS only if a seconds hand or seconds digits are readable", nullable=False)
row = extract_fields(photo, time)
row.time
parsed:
11:12
